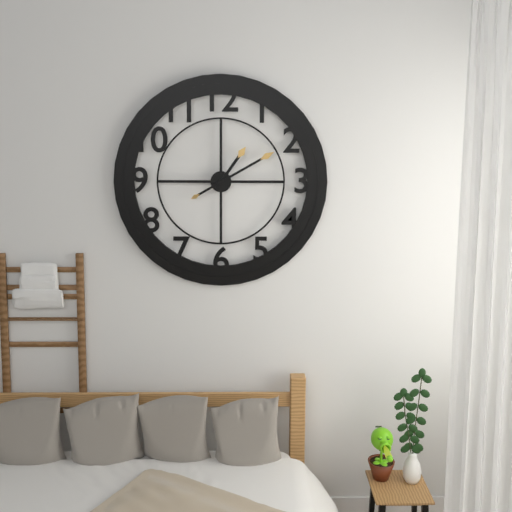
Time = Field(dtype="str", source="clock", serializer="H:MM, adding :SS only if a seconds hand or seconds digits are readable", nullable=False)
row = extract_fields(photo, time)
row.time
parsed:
1:10
